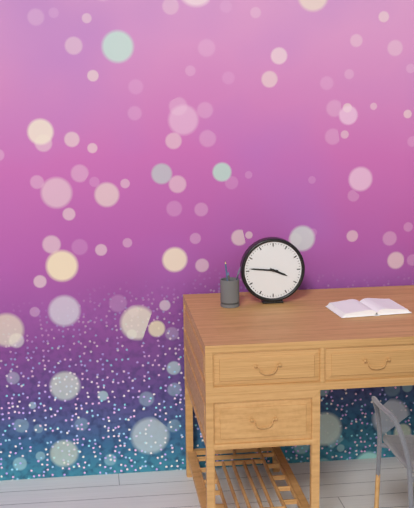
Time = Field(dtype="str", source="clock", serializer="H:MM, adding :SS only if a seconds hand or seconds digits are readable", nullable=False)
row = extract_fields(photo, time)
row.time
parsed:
3:46
